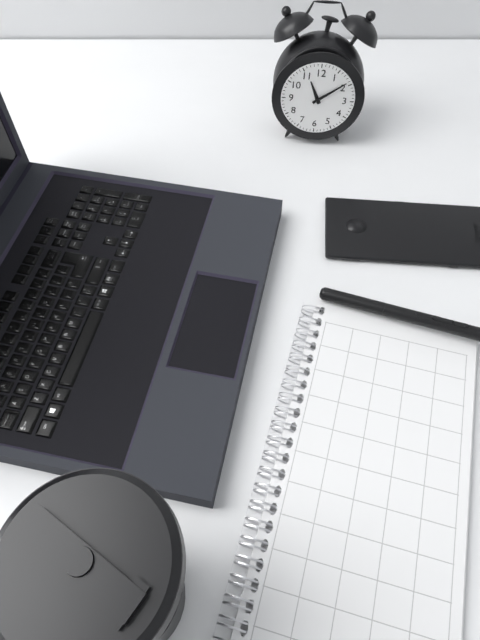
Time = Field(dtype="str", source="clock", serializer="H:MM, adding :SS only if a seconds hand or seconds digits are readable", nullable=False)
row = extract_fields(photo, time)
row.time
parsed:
11:09
